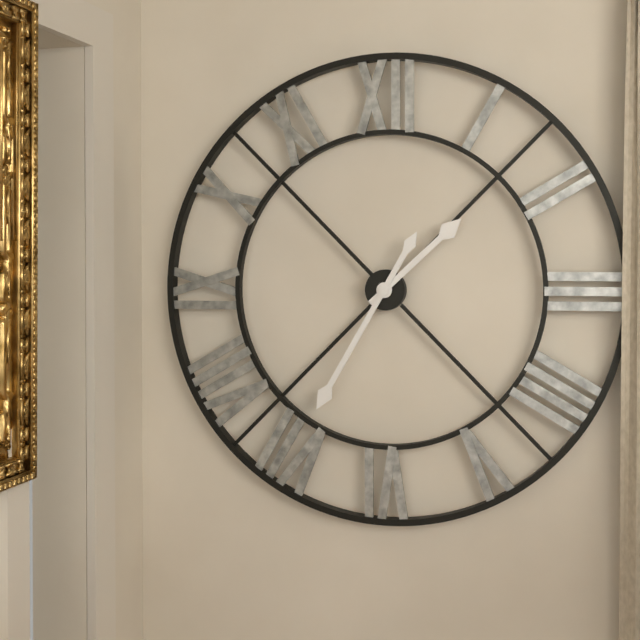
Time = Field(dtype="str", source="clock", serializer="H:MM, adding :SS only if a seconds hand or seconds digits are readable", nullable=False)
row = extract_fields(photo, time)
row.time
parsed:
1:35
